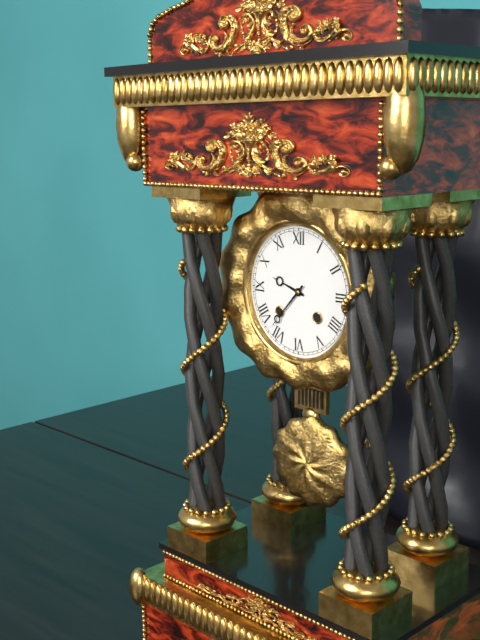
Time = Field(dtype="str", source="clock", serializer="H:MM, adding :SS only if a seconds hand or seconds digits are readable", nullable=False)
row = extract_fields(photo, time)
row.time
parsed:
9:37
